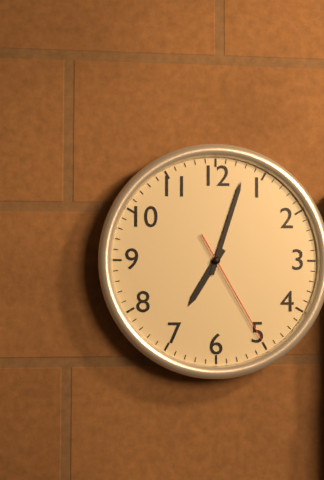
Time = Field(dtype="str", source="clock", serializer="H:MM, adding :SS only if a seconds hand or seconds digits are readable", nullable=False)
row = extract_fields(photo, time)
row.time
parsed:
7:03:25
